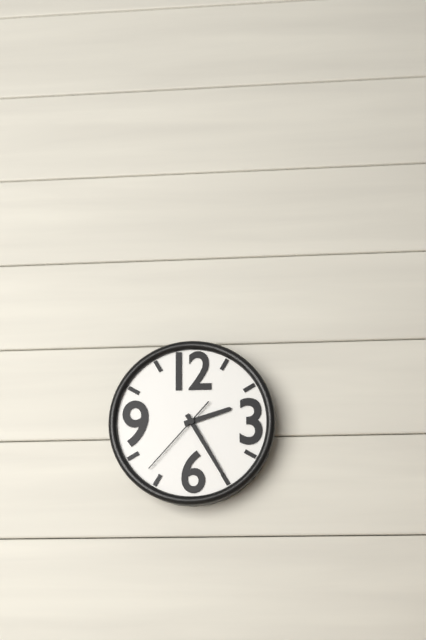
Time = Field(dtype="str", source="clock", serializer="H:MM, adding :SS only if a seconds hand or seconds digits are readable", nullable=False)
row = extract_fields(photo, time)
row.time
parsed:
2:25:37
